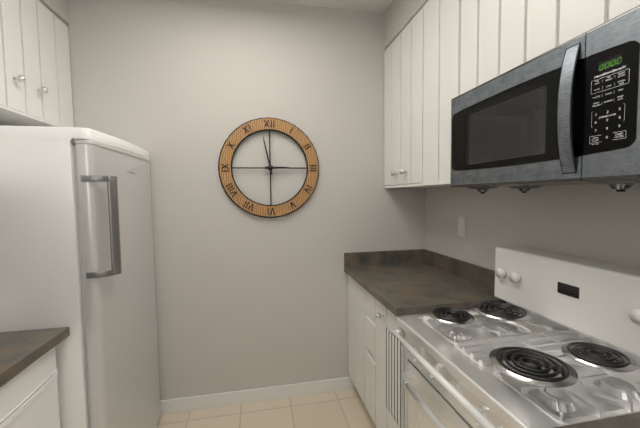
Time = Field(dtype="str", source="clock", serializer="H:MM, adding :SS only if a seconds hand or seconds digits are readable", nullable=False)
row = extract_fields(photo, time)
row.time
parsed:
2:58
